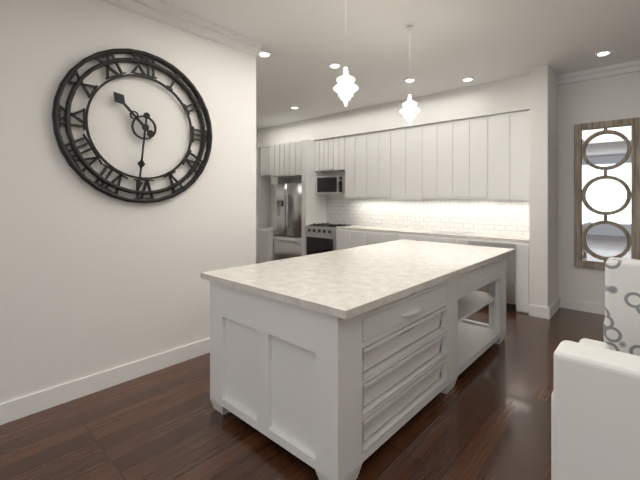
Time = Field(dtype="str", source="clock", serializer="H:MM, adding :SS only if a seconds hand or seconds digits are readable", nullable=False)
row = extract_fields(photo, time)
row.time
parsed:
10:31
